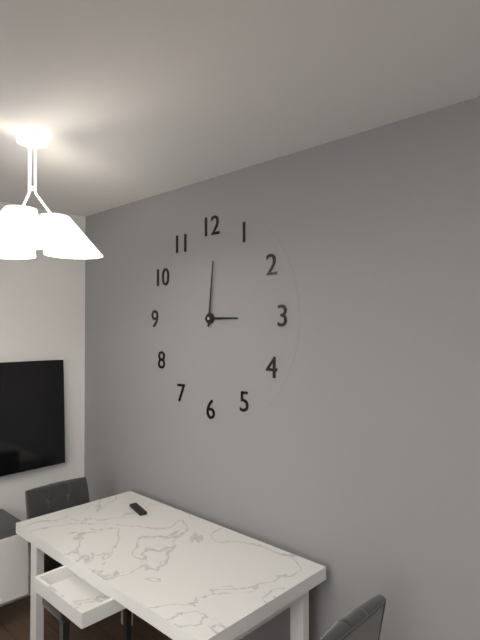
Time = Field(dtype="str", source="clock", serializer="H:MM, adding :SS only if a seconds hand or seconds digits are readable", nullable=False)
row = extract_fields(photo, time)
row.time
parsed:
3:01
